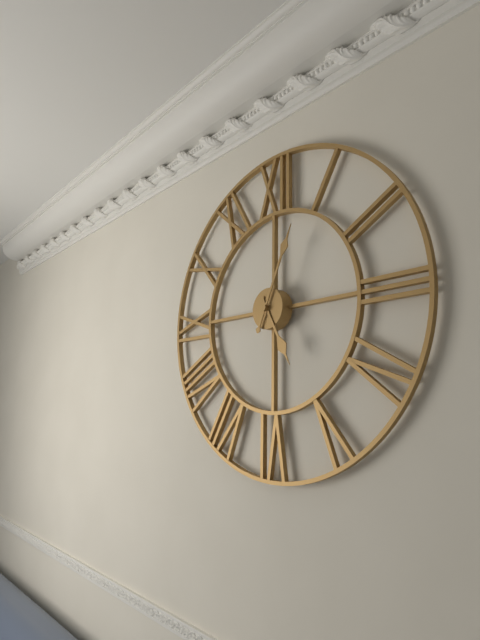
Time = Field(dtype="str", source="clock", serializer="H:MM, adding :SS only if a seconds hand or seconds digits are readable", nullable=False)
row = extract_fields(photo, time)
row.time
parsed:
5:04
